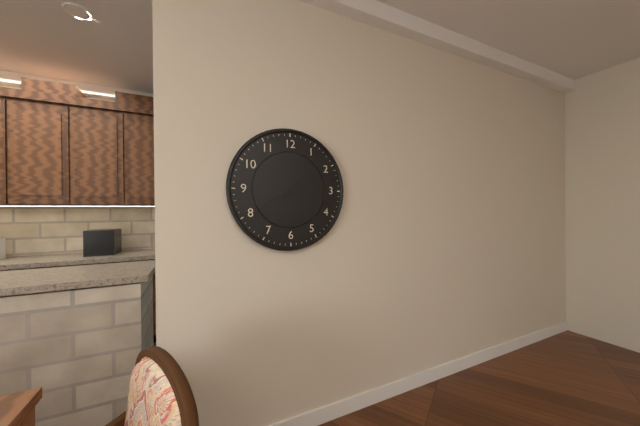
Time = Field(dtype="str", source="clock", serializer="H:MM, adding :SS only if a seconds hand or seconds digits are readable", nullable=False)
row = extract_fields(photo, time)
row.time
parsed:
1:40
